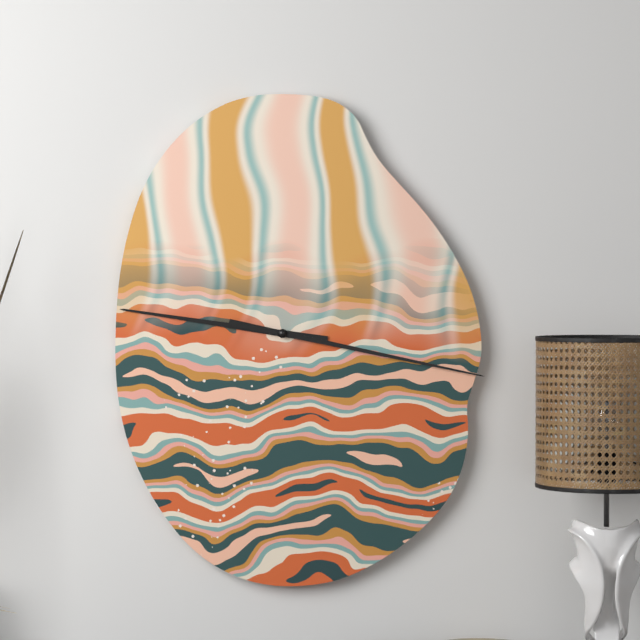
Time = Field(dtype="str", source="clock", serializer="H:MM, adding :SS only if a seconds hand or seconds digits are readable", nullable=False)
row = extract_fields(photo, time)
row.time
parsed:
9:17
